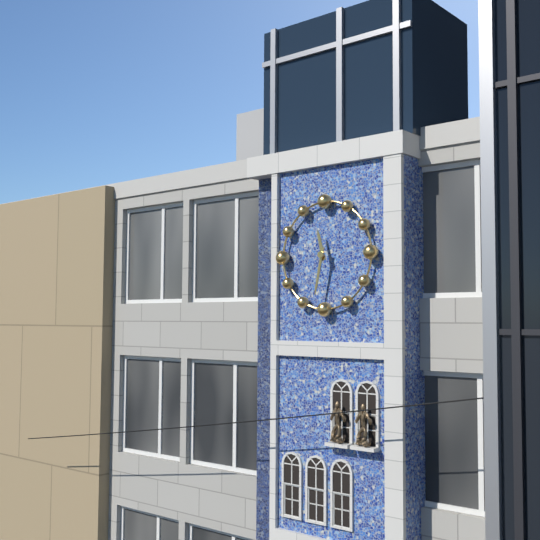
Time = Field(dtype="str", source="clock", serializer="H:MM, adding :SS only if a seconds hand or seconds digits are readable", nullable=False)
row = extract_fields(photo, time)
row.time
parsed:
11:32
